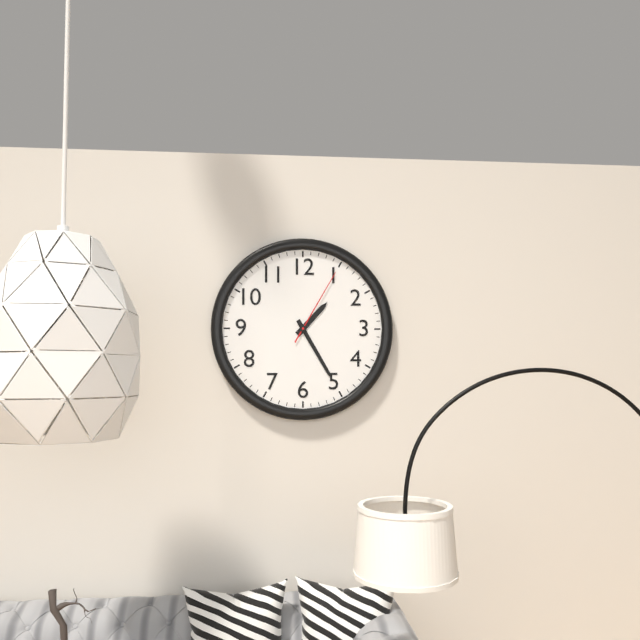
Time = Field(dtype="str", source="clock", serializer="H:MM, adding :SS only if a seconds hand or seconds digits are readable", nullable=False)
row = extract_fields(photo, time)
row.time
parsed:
1:25:05
